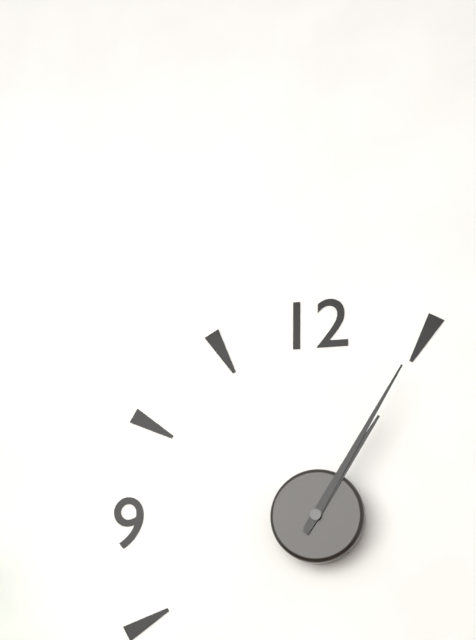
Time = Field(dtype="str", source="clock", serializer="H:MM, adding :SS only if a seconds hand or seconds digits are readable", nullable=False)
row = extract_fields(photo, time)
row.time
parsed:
1:05
